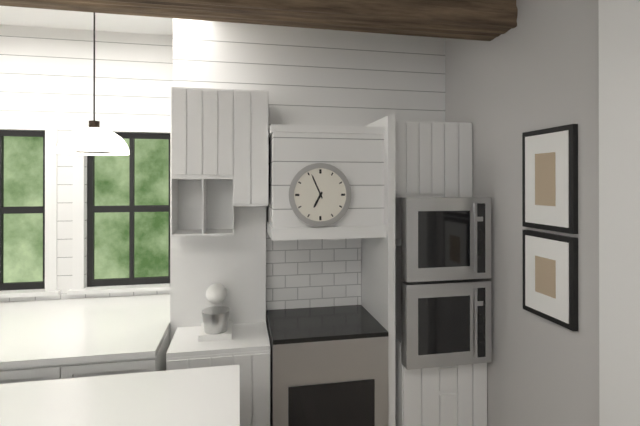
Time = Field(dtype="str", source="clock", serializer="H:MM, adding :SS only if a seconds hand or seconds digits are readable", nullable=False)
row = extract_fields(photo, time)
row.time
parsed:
6:56
